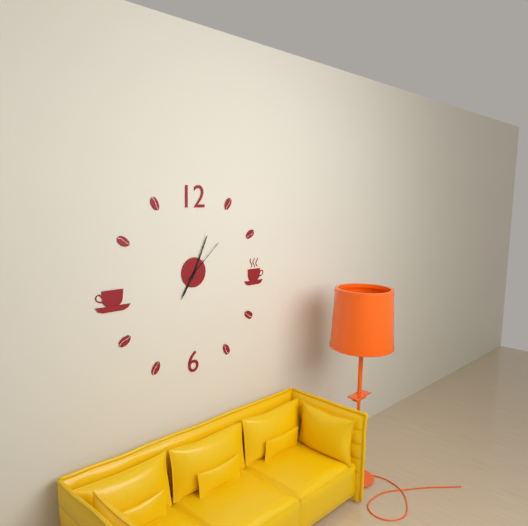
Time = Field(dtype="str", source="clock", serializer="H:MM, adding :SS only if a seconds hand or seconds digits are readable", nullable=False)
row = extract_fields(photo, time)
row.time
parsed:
7:04
